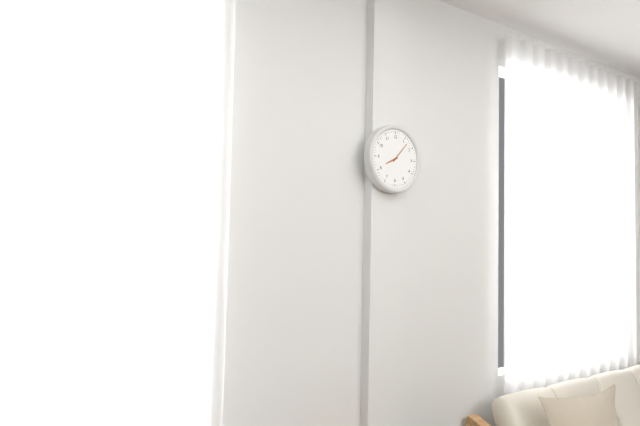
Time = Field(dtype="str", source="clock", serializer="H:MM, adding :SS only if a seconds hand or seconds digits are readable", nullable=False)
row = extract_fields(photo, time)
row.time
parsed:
8:07
